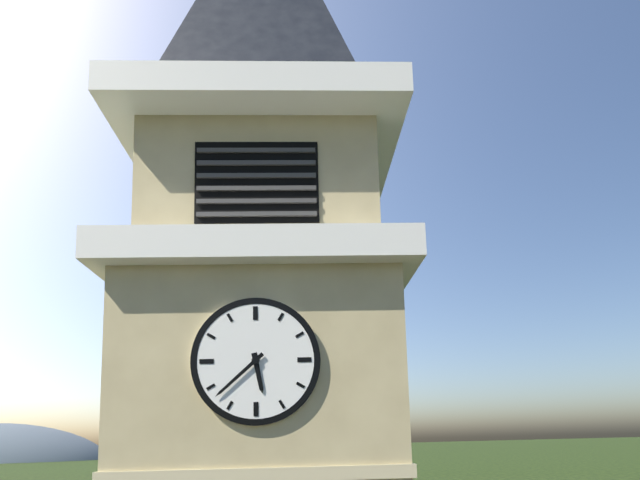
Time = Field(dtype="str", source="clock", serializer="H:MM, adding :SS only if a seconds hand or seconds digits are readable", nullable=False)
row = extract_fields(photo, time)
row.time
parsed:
5:38
